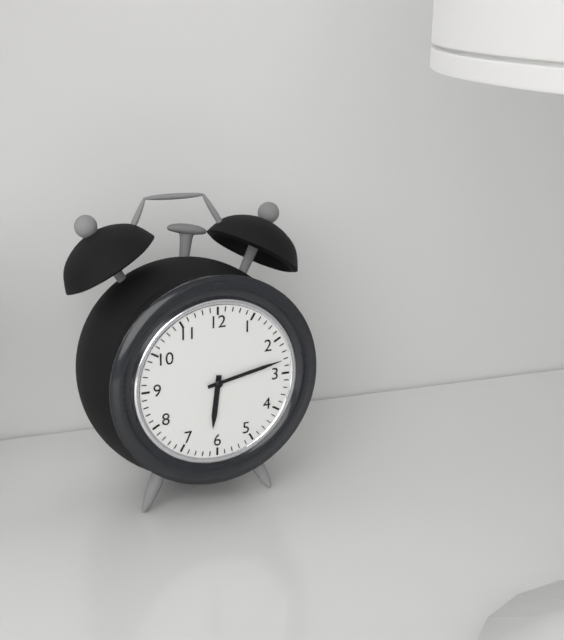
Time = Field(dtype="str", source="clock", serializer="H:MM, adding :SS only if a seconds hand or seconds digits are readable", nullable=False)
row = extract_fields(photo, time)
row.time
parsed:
6:13
